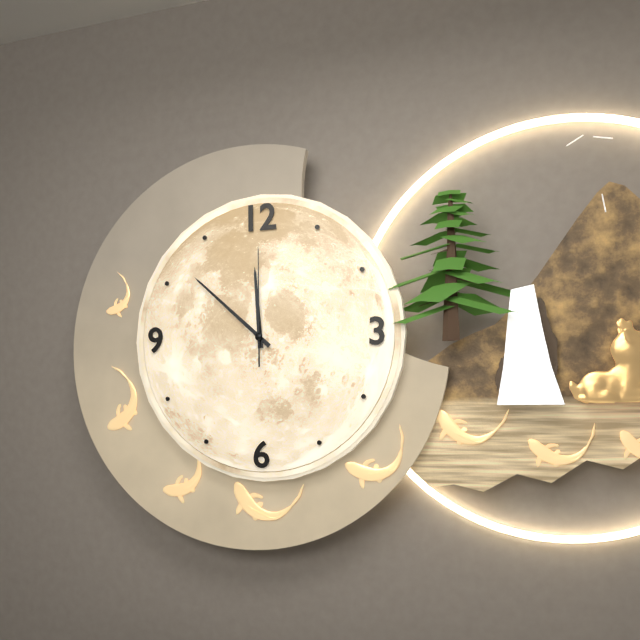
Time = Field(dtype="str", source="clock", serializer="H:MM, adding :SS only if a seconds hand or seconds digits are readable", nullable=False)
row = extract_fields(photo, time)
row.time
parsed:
11:52:00
